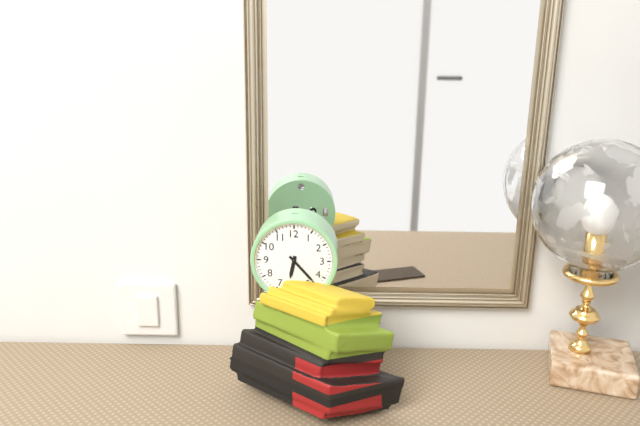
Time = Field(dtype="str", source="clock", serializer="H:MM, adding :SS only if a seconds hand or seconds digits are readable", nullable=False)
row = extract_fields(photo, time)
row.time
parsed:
6:23
